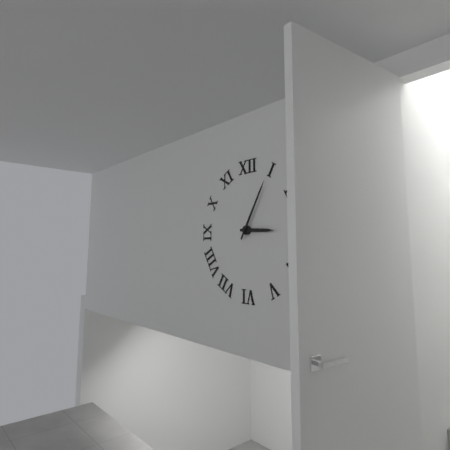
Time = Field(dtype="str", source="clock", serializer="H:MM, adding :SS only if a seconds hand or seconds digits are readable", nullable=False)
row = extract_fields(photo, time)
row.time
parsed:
3:05
